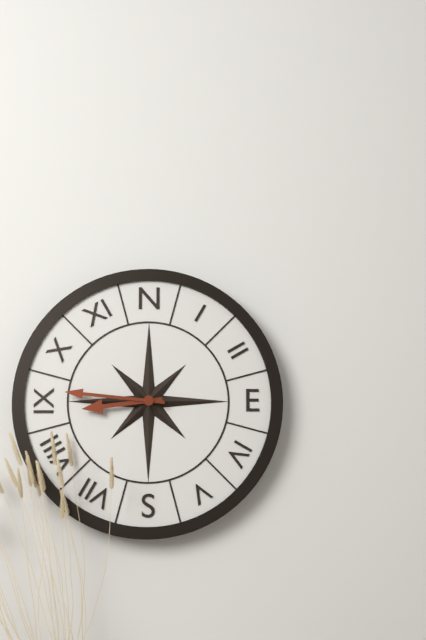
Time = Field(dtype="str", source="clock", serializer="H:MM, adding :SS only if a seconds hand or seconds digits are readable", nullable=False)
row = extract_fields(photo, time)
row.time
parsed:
8:46
